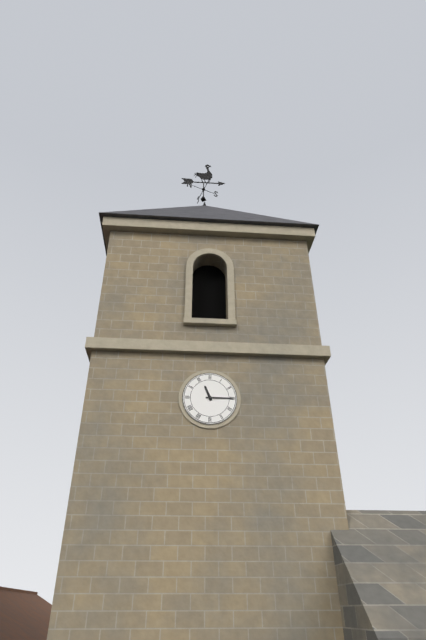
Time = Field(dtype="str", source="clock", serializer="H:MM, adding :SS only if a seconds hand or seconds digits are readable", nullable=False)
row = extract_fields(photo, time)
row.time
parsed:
11:15
